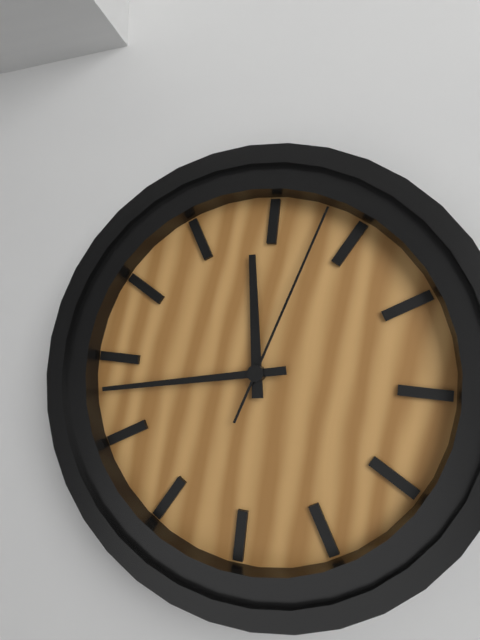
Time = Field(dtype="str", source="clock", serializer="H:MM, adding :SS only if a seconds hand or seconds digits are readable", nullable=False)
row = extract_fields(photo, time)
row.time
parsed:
11:43:03
